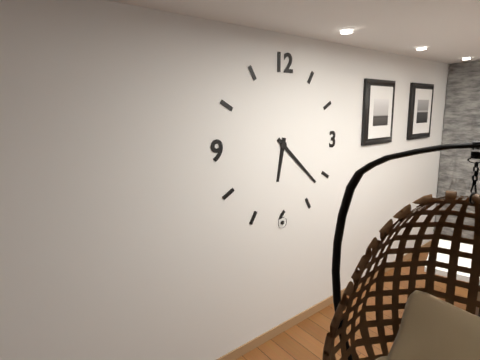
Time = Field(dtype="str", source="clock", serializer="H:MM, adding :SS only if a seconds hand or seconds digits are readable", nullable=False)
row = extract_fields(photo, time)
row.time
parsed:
6:22
